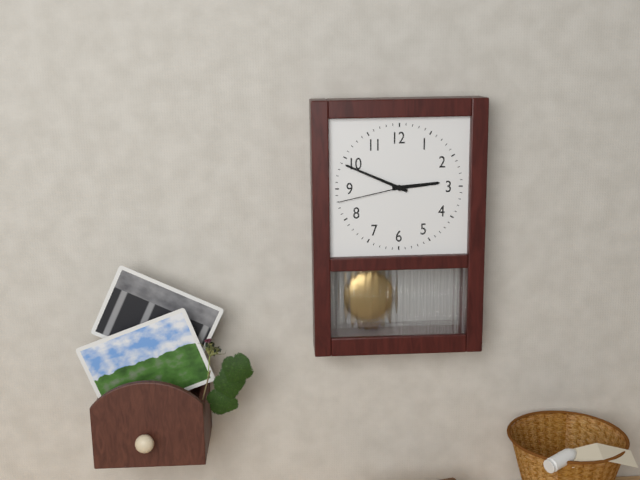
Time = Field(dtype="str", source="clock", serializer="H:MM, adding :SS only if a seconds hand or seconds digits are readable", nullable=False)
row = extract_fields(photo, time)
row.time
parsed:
2:49:43
